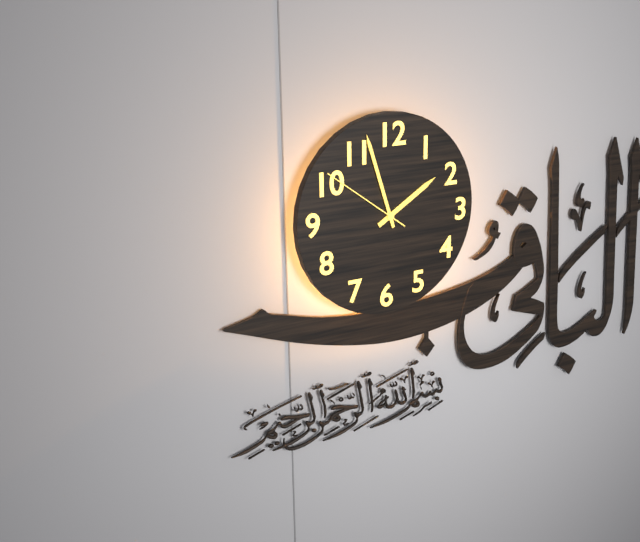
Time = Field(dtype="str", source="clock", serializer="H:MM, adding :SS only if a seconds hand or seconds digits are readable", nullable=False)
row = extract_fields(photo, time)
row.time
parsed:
1:57:51
